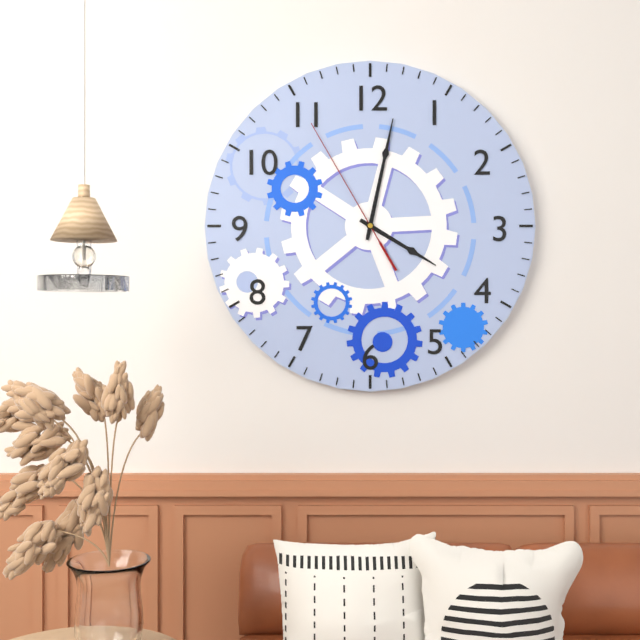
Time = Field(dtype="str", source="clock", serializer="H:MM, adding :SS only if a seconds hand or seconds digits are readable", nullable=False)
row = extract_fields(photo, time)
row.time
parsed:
4:02:55
